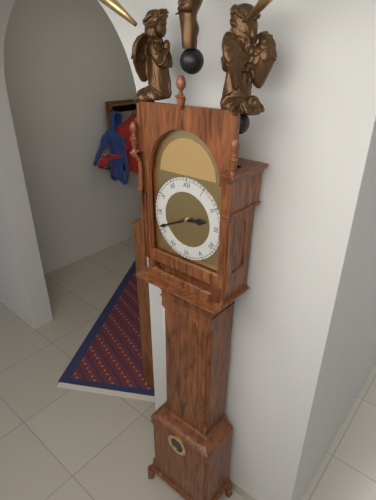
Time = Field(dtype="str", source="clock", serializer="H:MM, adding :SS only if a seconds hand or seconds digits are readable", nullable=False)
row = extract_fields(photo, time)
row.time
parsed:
2:41
